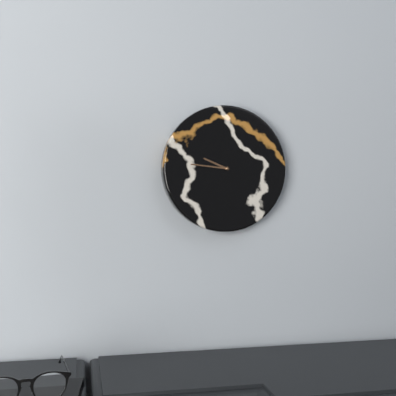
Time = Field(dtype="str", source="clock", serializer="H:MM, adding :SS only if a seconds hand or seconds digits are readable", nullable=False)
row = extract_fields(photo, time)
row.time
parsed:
9:46
